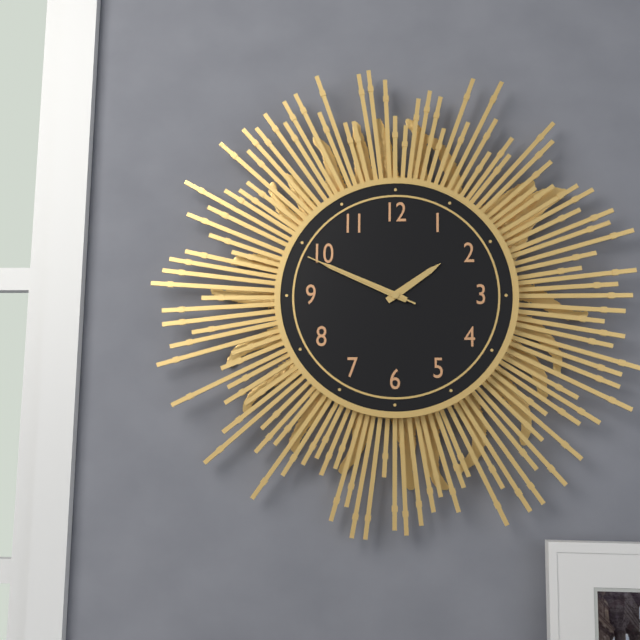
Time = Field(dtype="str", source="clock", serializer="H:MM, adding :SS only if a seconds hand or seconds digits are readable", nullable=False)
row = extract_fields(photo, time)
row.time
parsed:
1:49:49
